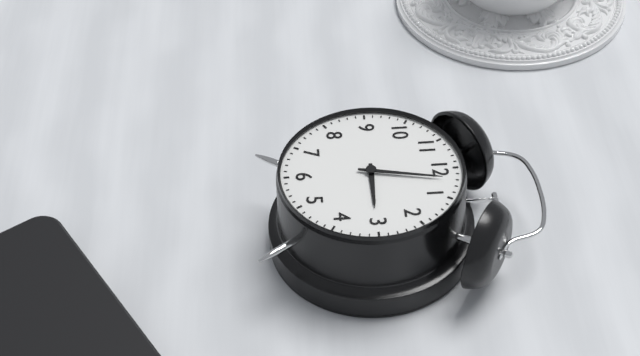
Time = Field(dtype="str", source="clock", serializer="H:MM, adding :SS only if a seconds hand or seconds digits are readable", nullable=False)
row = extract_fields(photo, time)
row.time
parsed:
3:02
